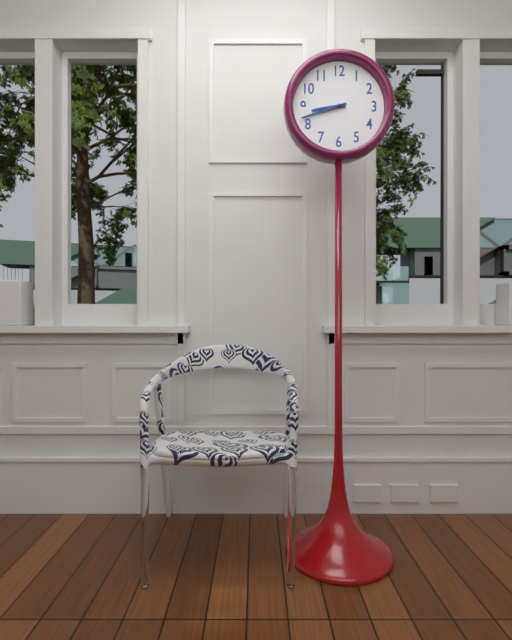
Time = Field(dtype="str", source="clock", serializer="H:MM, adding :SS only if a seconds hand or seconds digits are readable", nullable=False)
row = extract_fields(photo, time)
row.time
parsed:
8:42
